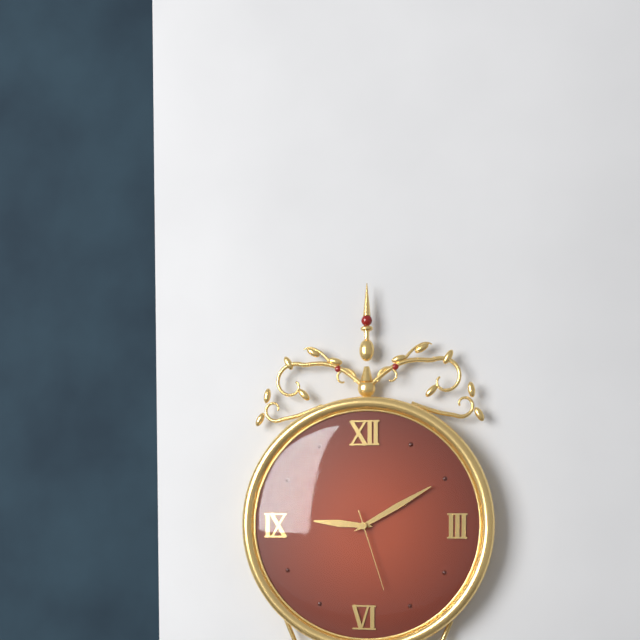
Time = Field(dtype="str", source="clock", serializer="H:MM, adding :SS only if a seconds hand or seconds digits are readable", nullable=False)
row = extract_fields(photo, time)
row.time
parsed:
9:10:27
